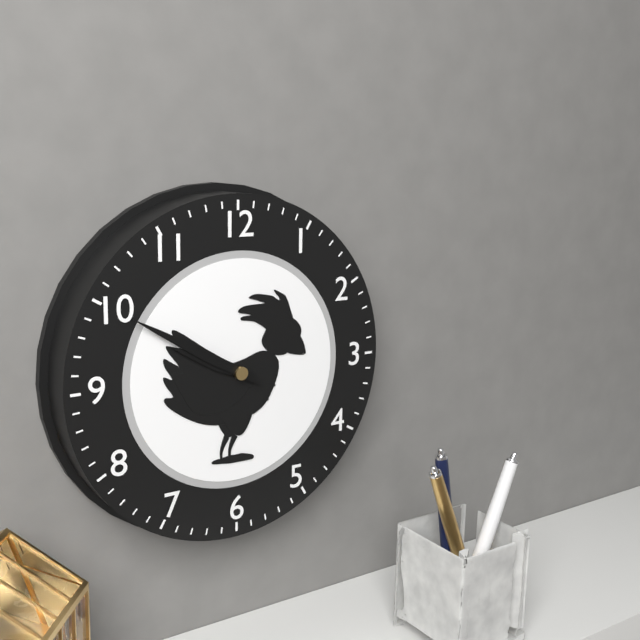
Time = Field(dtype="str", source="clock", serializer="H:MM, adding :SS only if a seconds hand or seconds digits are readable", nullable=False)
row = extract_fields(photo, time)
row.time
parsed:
9:50
